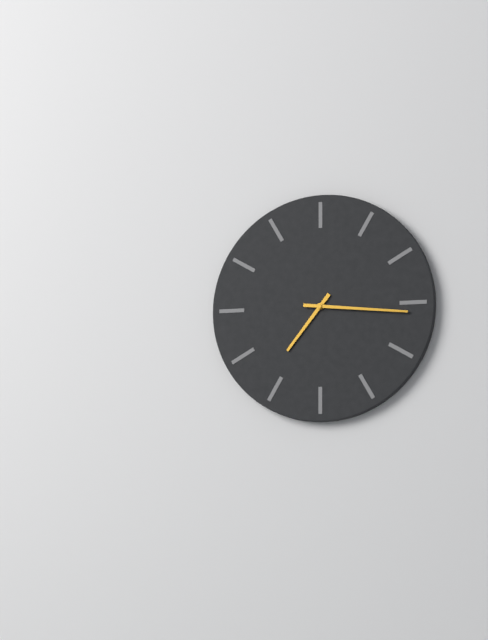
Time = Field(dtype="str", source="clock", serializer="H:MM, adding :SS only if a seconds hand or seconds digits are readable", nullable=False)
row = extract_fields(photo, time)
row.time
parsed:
7:16
